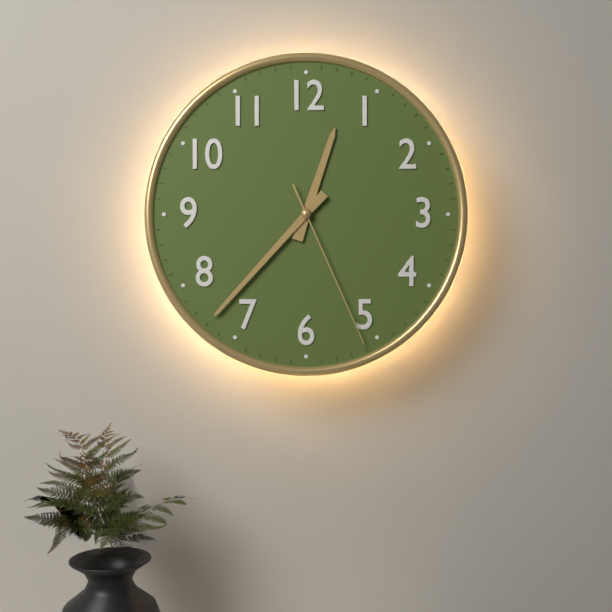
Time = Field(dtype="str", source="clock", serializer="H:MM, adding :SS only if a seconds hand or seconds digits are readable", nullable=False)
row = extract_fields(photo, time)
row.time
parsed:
12:37:26
